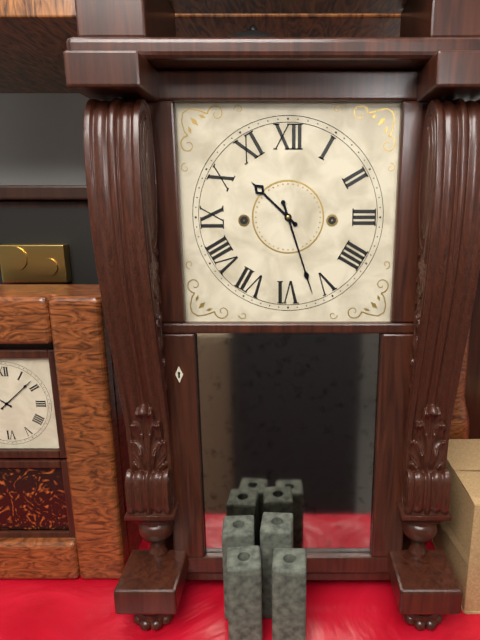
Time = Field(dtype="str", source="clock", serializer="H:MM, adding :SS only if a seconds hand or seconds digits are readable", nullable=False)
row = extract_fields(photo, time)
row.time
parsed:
10:27
